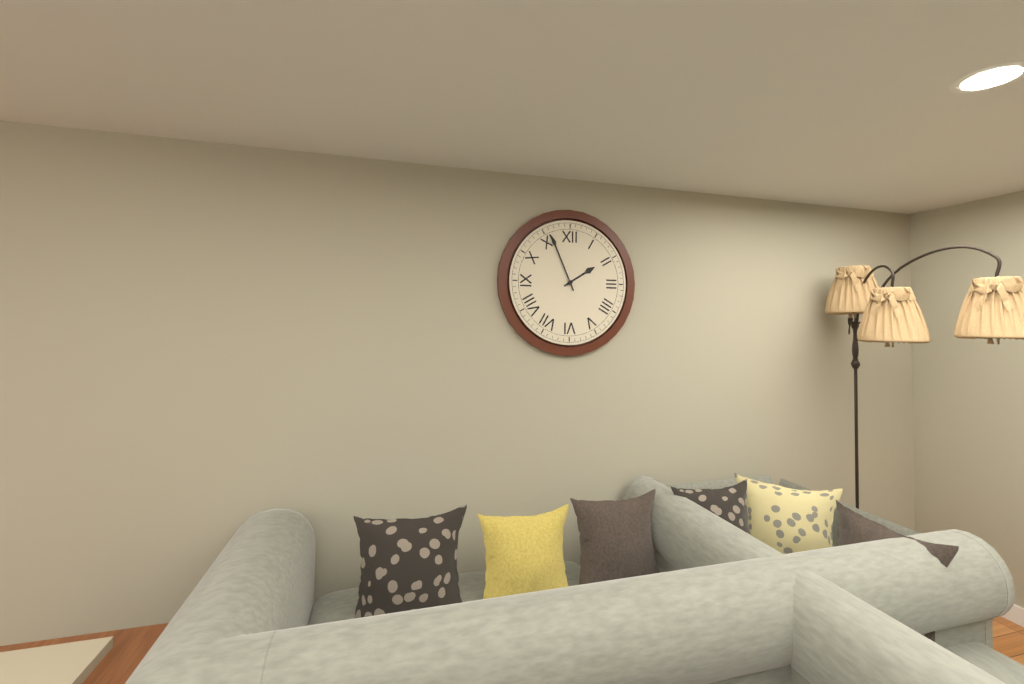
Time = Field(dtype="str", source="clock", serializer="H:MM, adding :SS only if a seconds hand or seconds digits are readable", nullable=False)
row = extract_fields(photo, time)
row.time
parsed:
1:56
